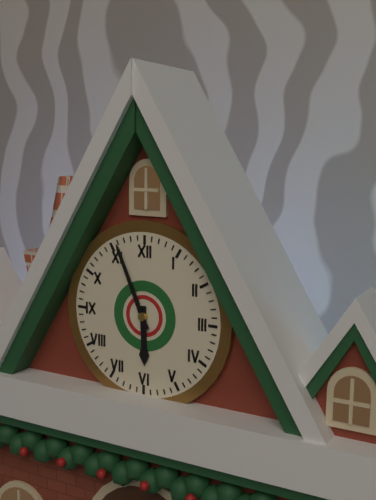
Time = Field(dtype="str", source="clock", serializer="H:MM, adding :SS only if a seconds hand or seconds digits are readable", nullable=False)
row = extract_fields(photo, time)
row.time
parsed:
5:56
